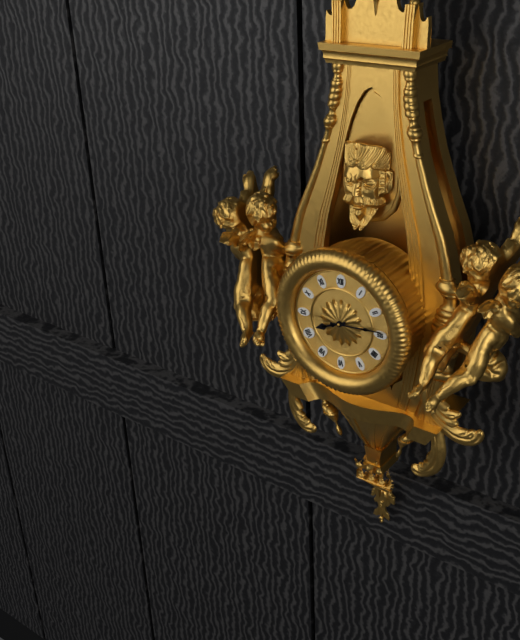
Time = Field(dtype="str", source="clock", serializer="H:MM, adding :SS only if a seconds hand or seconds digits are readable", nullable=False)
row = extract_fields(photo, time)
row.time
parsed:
8:14
